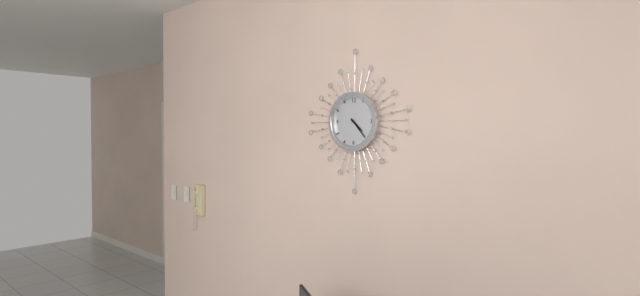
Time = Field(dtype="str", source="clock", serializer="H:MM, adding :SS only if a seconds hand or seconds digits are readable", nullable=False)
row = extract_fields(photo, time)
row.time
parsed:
4:23
